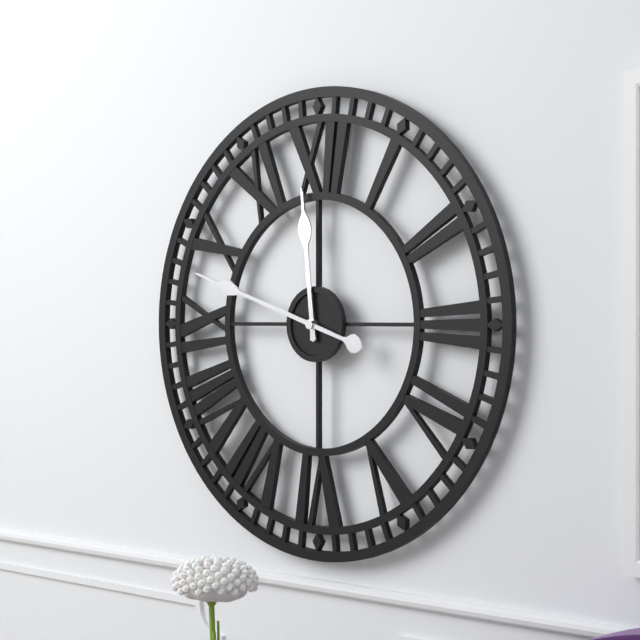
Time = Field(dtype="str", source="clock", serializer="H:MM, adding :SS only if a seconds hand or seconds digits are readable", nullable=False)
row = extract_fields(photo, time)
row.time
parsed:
11:48
